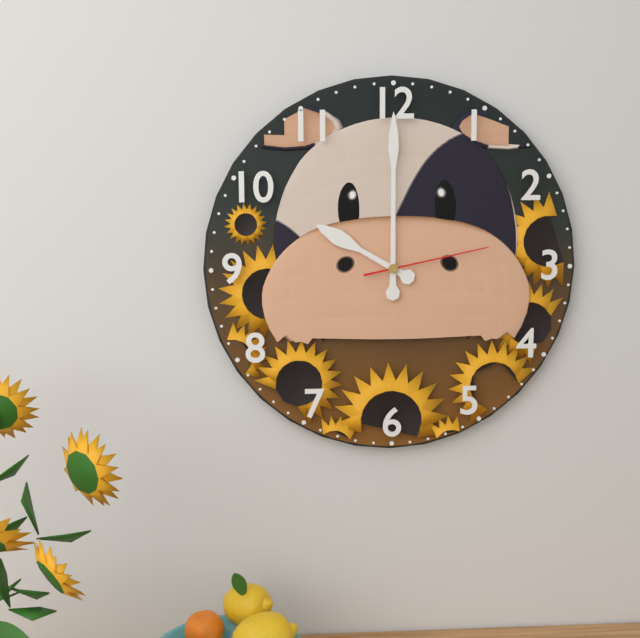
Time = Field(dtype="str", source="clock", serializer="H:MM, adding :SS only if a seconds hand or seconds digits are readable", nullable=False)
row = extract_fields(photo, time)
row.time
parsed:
10:00:13
